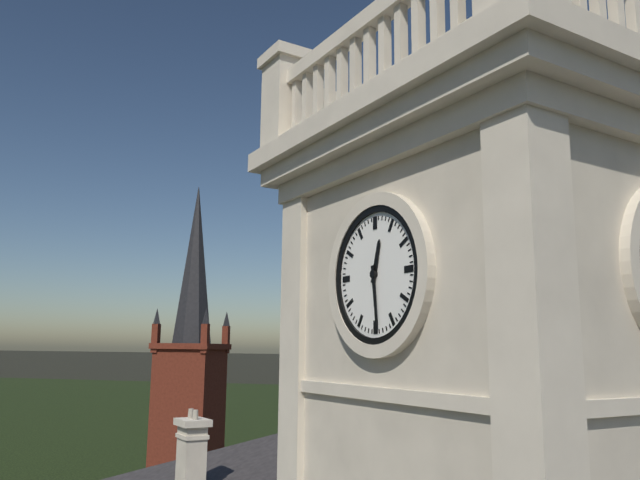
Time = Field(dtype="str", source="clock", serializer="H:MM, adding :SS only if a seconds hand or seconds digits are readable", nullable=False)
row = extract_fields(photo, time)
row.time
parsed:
12:29
